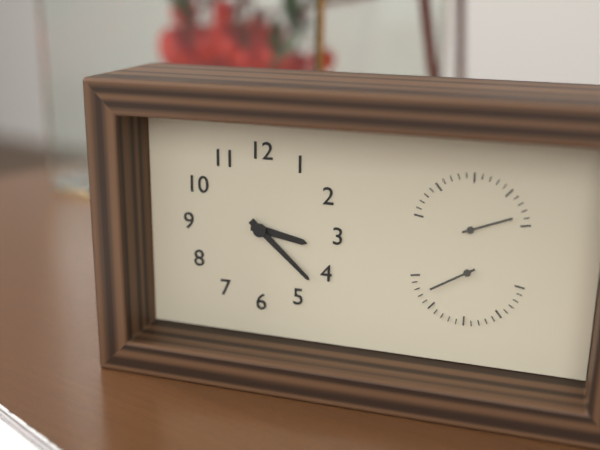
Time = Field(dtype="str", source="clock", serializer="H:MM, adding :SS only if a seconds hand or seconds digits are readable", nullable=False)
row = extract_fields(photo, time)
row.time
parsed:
3:22
